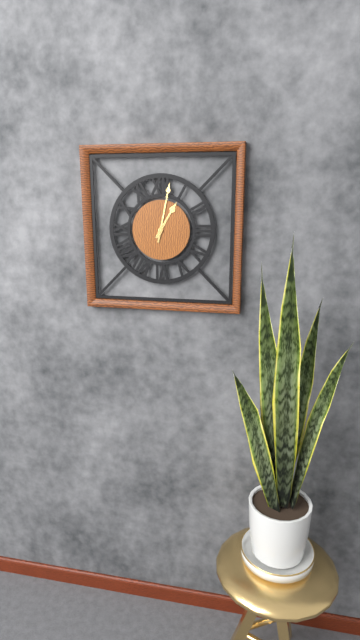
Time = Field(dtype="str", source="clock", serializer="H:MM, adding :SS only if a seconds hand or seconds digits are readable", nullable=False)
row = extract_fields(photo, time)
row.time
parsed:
1:02
